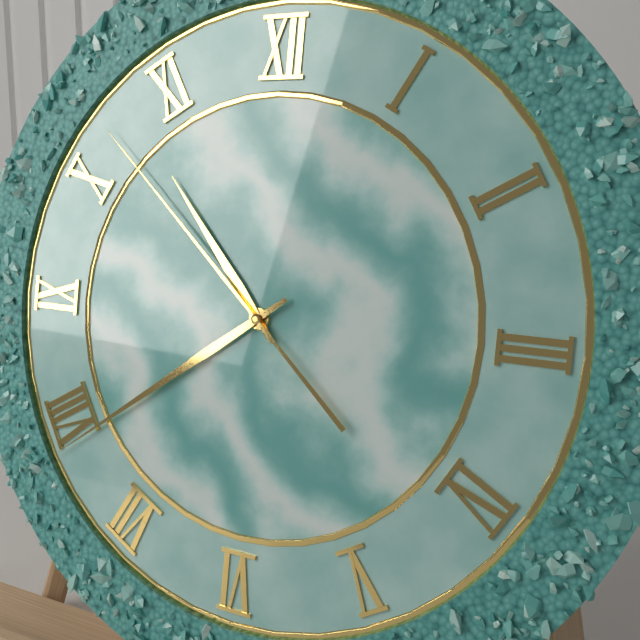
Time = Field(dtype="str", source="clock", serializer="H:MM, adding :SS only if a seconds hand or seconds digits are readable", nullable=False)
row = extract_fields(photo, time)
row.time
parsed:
10:39:52
